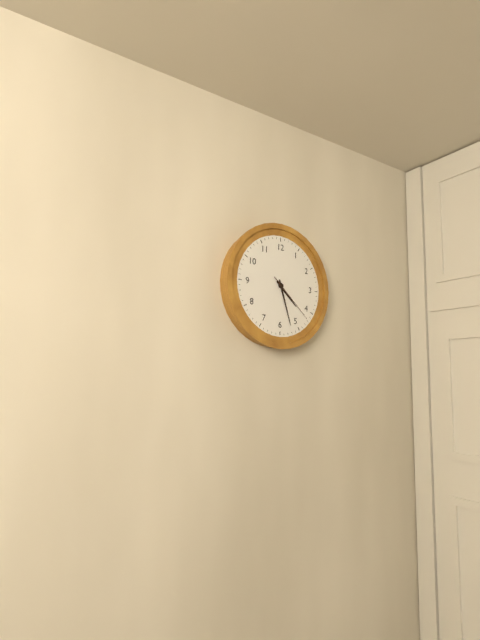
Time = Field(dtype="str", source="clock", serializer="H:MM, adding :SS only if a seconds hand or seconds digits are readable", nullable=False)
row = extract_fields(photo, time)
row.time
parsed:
4:27:22
